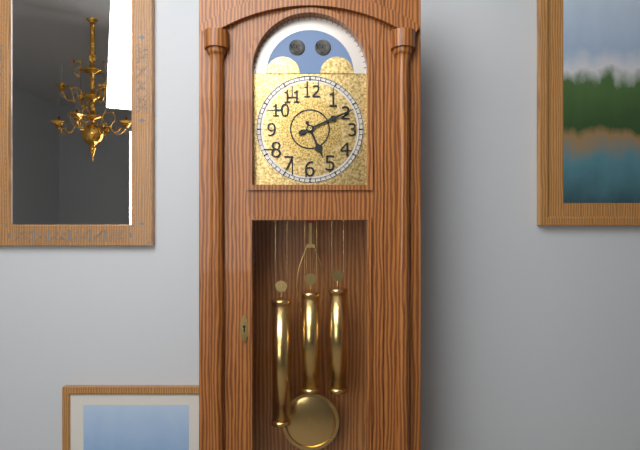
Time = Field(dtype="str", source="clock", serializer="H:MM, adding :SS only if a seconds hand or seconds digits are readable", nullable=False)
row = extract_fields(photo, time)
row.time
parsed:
5:11
